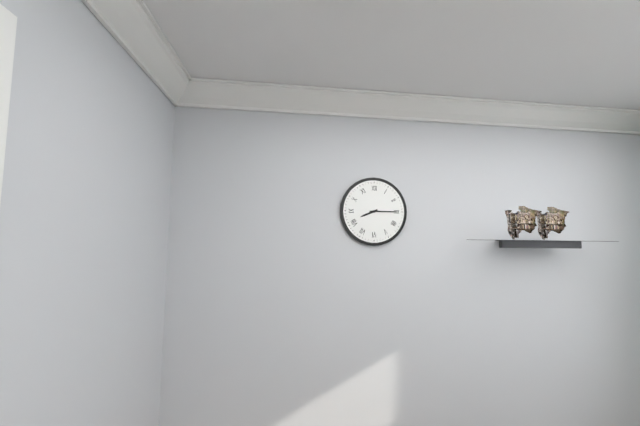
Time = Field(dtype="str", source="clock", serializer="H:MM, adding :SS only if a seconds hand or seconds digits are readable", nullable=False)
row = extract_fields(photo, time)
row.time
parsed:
8:15
